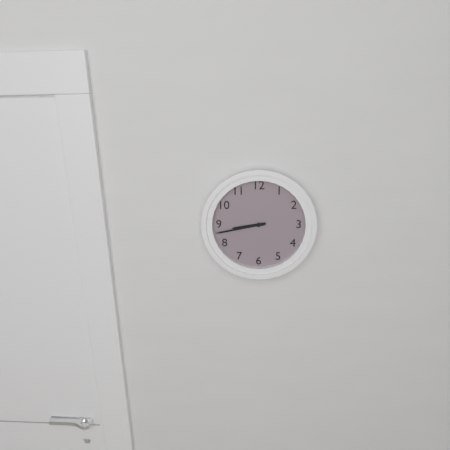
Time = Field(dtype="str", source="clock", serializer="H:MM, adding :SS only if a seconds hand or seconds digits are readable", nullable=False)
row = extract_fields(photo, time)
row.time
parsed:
8:43
